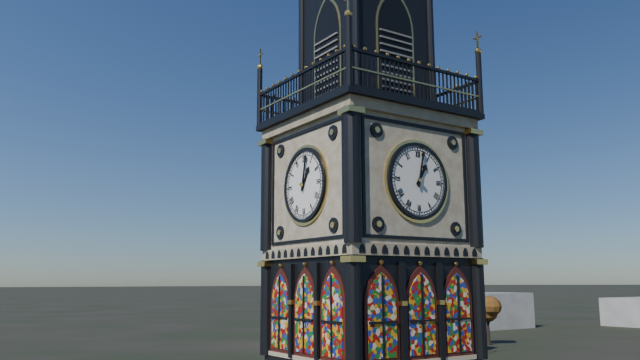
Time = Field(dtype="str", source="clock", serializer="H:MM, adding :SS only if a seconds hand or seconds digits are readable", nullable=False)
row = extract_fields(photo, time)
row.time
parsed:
1:02
